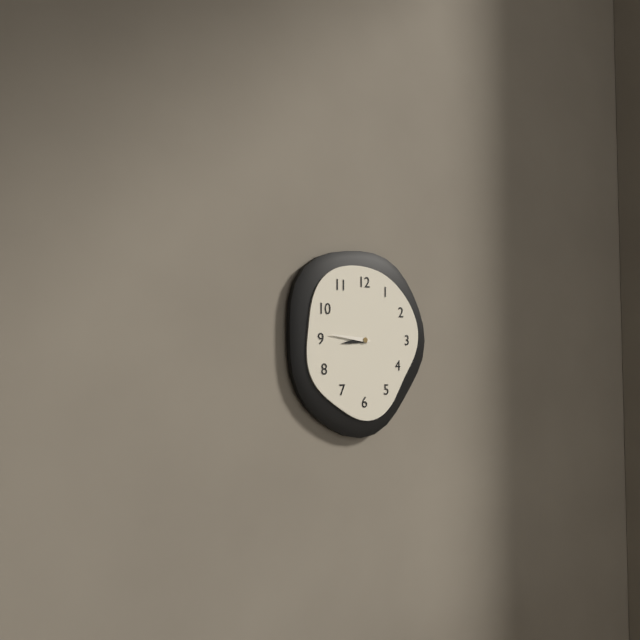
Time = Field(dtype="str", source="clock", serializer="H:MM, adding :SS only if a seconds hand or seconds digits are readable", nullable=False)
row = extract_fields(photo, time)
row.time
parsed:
8:46
